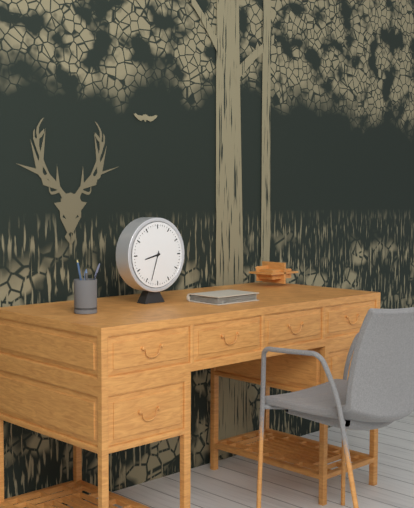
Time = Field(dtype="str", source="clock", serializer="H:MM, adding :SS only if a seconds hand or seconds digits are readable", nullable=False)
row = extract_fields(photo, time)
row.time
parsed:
8:33
